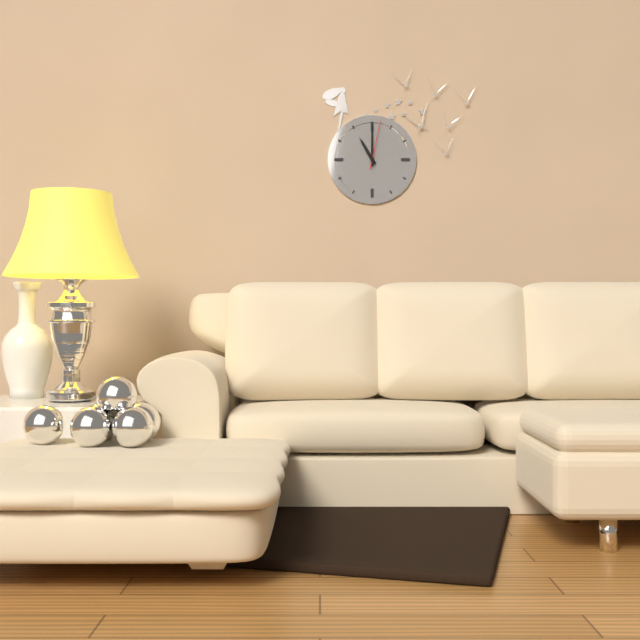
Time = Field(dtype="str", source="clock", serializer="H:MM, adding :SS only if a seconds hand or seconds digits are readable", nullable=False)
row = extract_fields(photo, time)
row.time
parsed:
11:00
